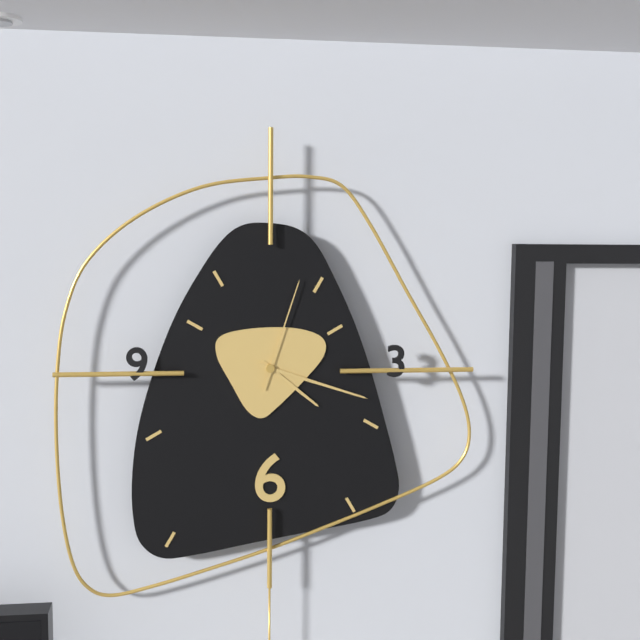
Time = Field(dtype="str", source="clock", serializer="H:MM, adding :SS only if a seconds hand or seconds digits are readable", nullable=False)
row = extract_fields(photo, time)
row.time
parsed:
4:18:03
